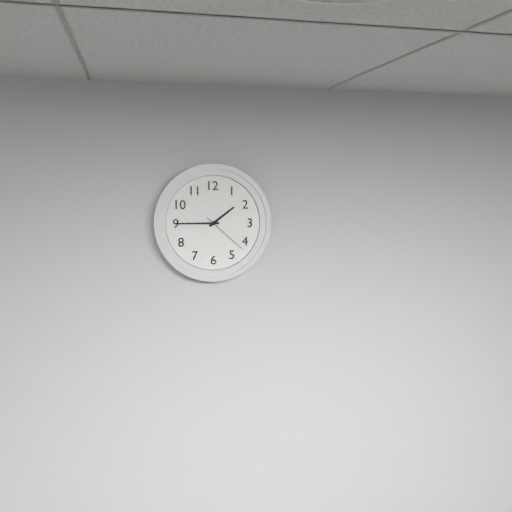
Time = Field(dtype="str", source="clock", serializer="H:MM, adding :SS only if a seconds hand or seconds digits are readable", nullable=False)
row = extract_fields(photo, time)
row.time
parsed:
1:45
